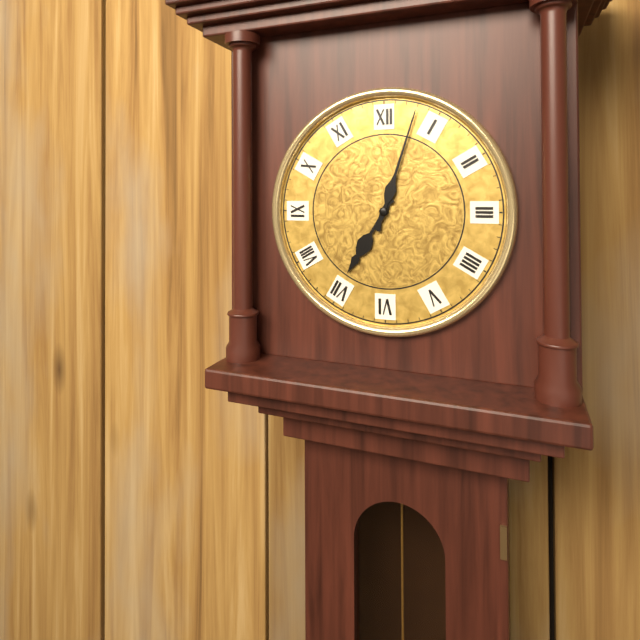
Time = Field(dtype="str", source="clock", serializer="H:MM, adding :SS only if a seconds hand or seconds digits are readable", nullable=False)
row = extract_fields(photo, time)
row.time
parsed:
7:03
